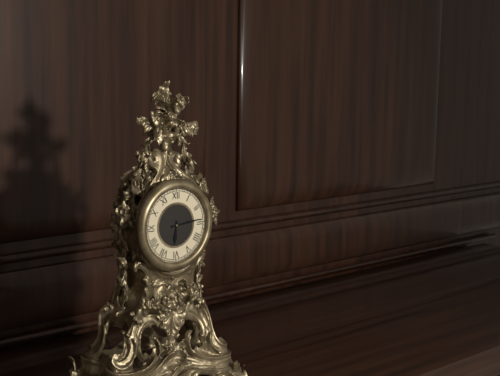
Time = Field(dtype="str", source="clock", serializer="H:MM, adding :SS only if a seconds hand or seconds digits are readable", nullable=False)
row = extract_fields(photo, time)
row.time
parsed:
6:14
